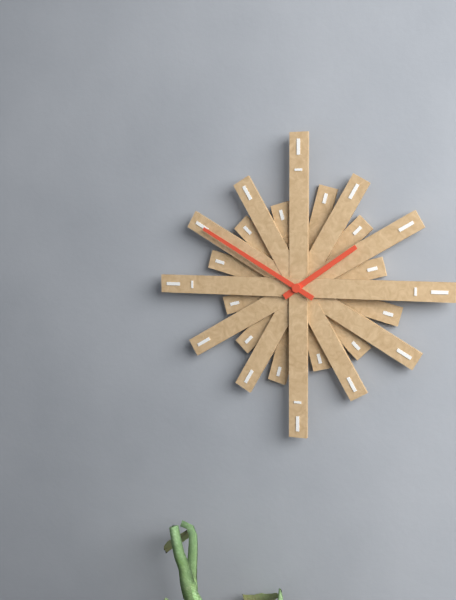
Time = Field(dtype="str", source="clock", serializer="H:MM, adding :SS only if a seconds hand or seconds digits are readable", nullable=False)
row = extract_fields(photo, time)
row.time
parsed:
1:50
